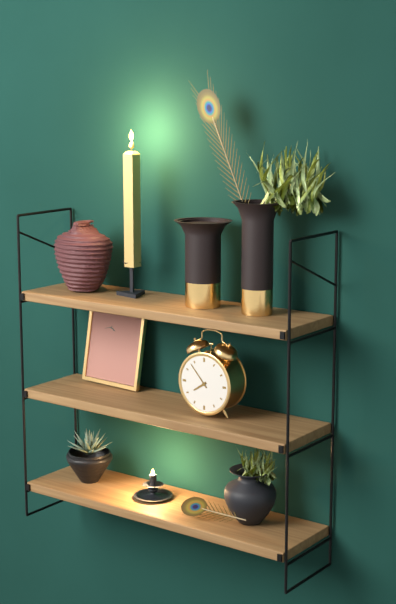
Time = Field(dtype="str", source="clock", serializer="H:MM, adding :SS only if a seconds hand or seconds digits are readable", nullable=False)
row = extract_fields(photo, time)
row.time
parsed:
7:53
